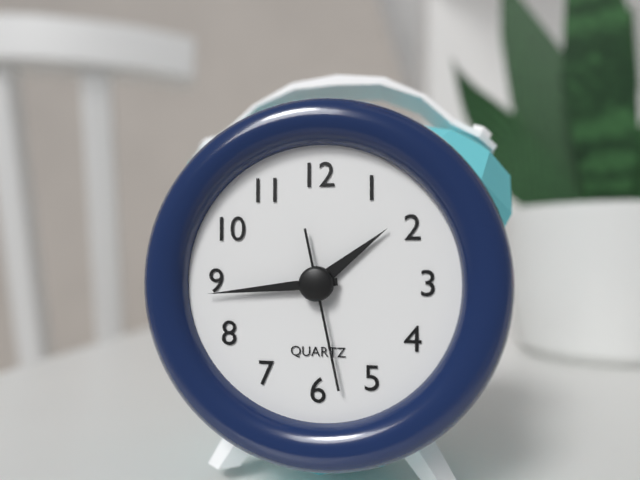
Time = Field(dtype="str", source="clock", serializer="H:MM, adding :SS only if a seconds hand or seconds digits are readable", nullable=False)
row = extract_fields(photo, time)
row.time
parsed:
1:44:28
